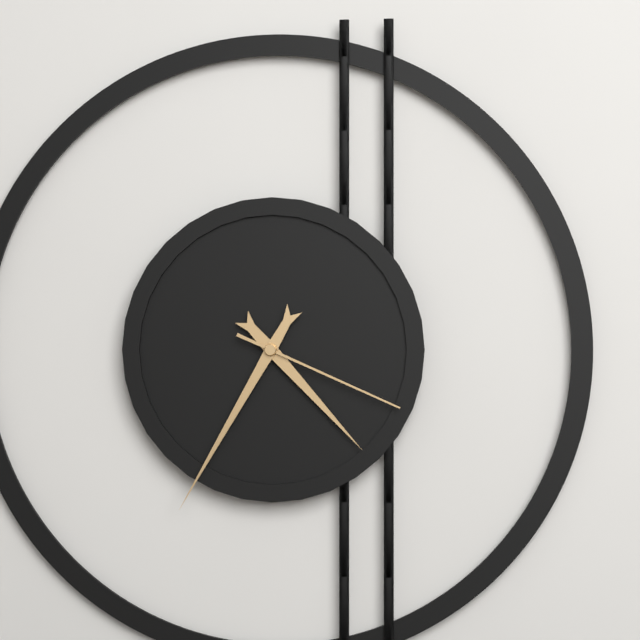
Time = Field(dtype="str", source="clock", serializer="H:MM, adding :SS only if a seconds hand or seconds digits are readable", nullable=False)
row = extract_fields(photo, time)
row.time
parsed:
4:35:19
